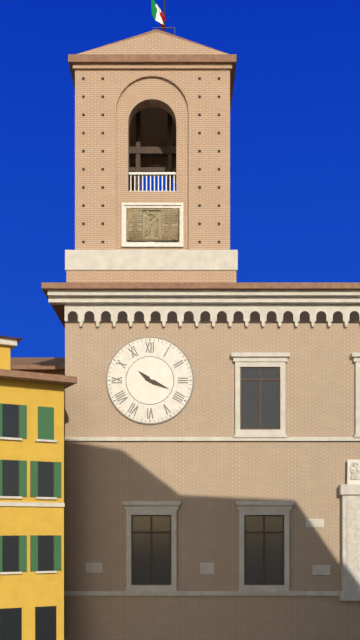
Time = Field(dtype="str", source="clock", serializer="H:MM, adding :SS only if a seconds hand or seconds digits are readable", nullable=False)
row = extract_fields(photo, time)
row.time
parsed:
10:19
